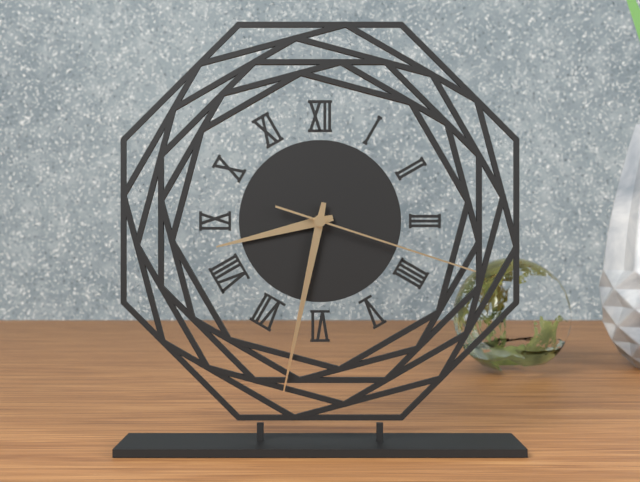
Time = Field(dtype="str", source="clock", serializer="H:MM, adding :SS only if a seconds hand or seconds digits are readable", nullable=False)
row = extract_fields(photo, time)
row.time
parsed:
8:32:18
